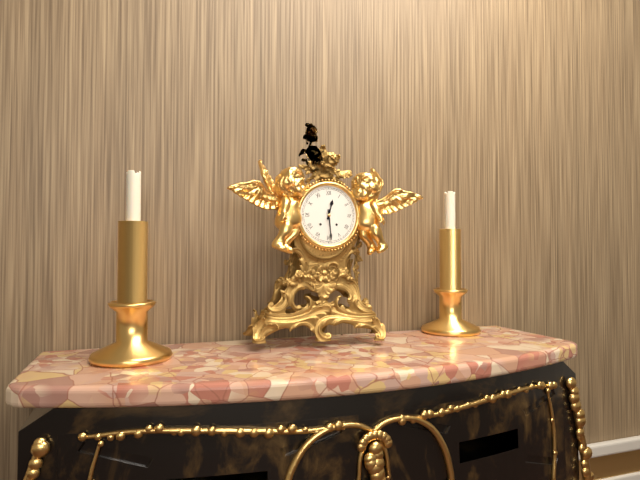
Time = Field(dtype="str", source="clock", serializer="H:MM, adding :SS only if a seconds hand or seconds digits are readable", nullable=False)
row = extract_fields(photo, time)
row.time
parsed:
12:29
